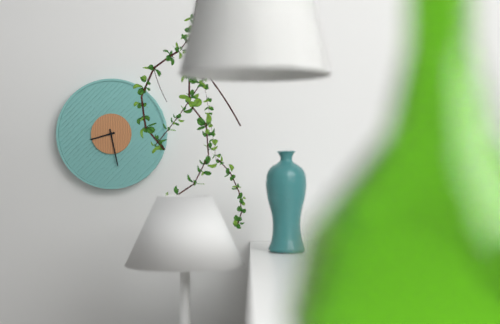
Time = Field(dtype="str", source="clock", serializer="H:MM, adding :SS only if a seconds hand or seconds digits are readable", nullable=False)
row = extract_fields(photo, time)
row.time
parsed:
8:28
